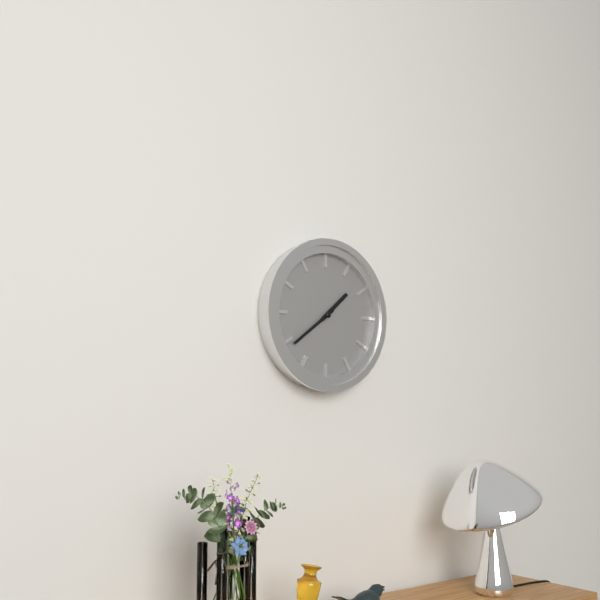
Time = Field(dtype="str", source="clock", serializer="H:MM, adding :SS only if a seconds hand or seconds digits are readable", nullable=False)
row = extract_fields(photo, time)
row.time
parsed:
1:39
